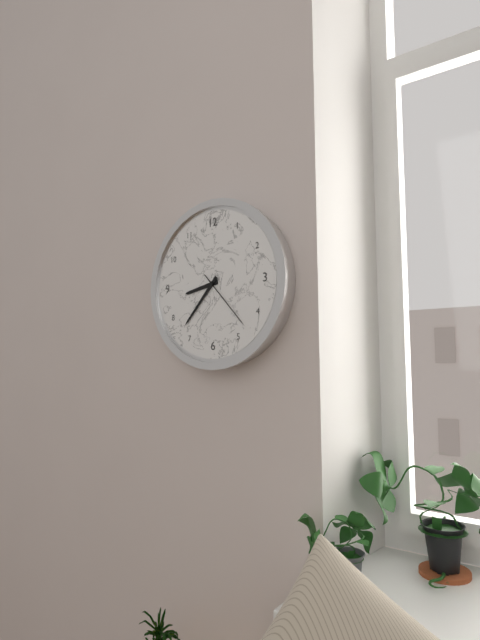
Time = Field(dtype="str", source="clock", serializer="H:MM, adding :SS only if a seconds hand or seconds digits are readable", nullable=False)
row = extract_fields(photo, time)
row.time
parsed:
8:37:23
